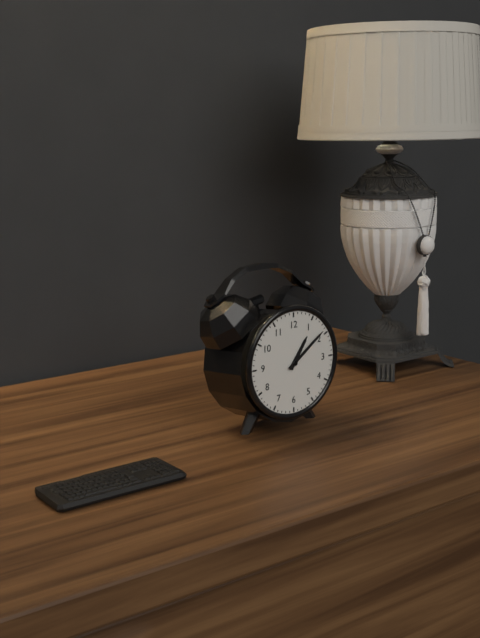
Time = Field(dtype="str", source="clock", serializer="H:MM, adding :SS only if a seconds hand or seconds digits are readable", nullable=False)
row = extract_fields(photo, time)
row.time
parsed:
1:09
